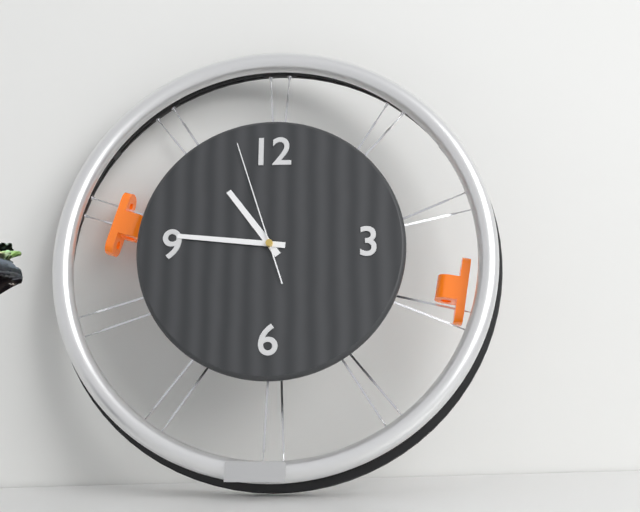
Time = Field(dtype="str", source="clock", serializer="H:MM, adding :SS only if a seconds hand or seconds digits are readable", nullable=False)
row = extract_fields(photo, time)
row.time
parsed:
10:46:57
